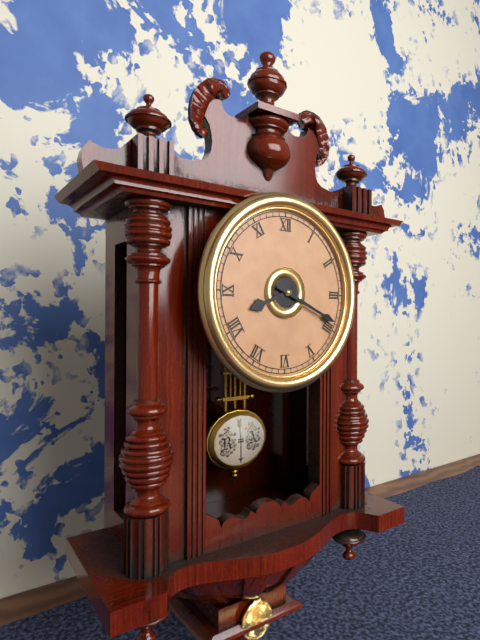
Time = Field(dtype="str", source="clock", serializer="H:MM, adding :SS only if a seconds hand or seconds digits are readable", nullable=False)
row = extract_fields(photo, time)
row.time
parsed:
8:19
